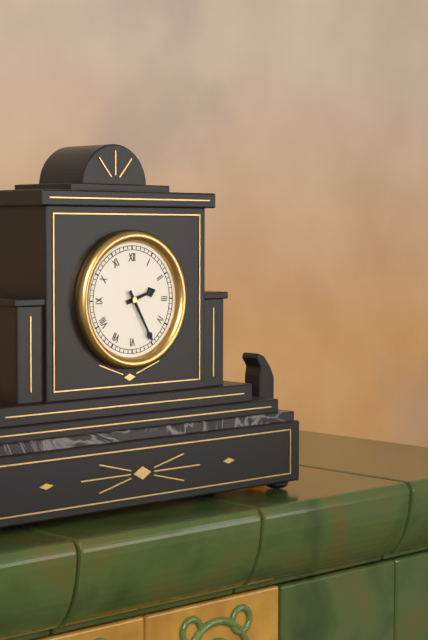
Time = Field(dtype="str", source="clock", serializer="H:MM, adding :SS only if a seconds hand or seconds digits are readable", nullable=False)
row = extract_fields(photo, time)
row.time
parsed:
2:25
